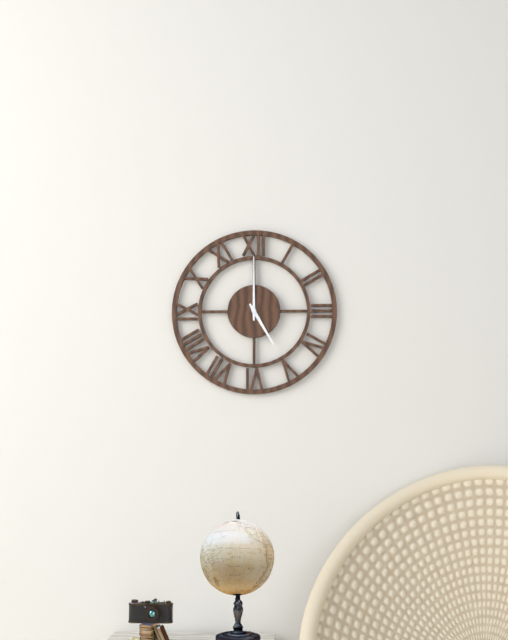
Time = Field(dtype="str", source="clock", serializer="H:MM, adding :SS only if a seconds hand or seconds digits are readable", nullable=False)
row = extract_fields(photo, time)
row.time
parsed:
5:00
